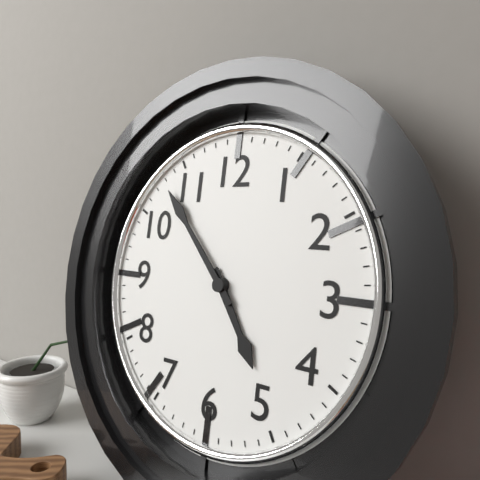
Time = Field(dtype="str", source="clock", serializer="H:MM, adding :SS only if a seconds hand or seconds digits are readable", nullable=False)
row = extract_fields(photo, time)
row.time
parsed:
4:53
